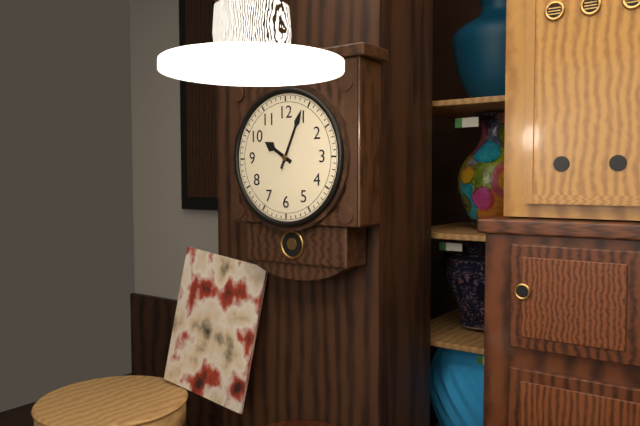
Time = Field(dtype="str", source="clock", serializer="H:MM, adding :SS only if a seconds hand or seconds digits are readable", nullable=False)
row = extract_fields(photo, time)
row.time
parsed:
10:04
